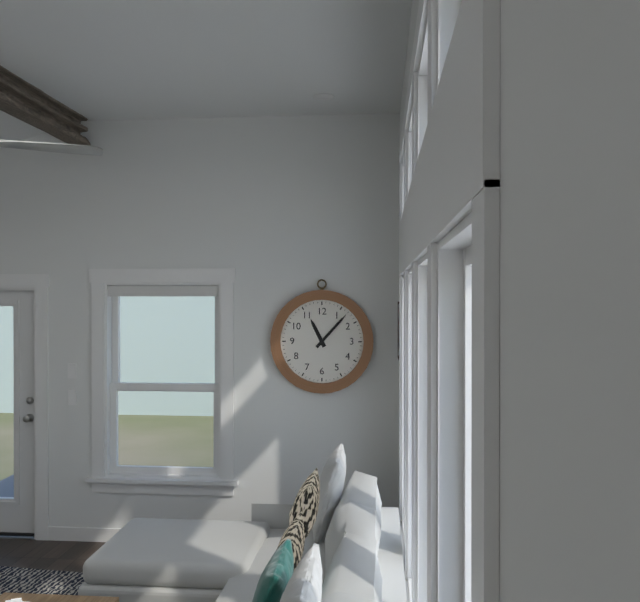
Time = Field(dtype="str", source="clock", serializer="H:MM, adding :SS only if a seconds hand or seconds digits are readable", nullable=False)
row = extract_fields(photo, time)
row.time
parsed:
11:07
